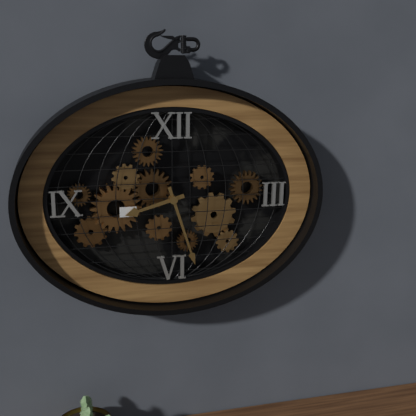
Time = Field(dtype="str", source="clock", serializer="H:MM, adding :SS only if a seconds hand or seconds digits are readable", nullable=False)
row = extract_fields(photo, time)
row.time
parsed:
8:27
